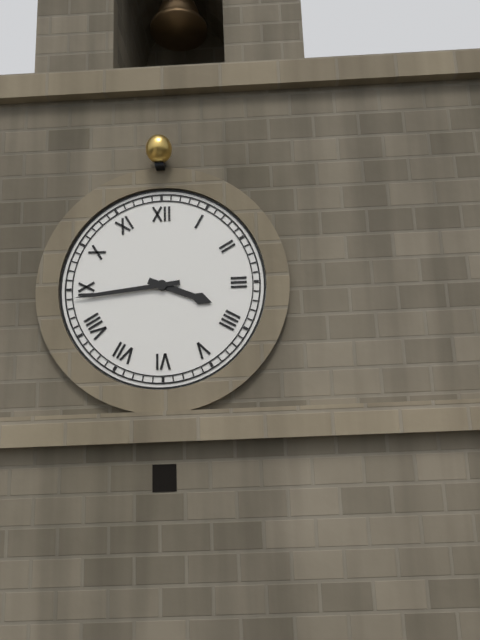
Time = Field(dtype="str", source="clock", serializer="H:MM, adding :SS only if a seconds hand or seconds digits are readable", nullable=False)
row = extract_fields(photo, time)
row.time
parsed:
3:44
